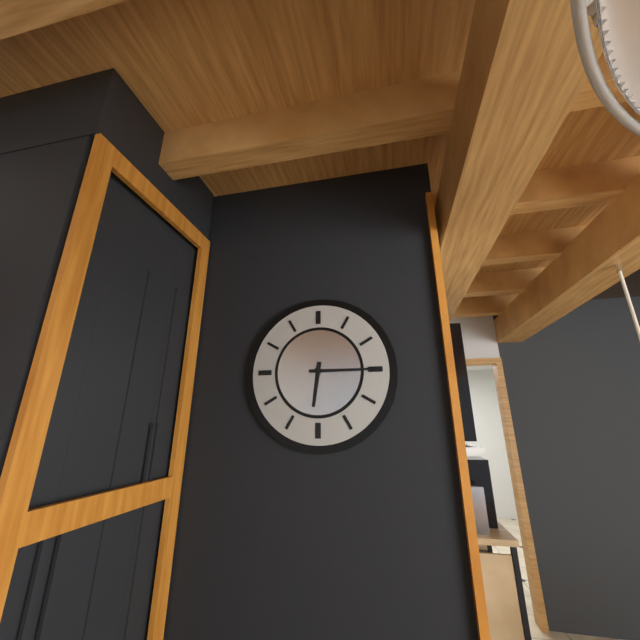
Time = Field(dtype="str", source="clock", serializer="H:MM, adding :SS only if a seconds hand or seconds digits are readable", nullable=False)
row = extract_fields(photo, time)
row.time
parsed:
6:15
